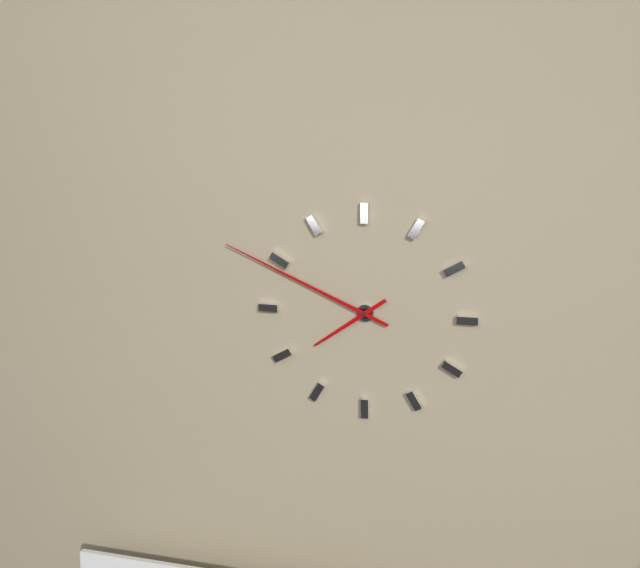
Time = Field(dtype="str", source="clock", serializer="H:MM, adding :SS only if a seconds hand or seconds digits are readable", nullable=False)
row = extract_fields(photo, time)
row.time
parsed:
7:49
